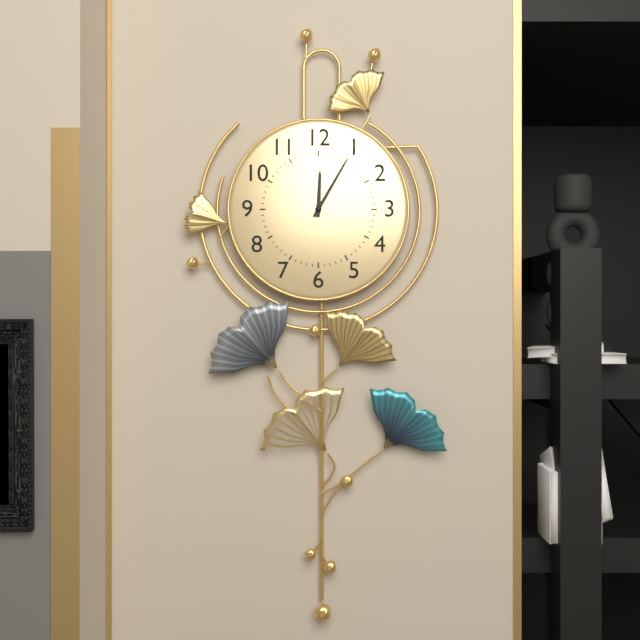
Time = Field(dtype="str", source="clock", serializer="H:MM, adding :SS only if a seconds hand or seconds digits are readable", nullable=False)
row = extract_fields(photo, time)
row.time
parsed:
12:05
